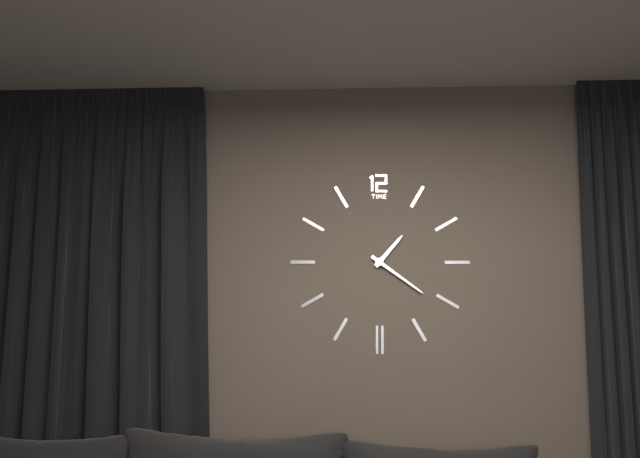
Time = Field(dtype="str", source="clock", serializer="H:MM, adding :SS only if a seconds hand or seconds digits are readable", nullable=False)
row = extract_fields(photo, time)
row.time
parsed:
1:21
